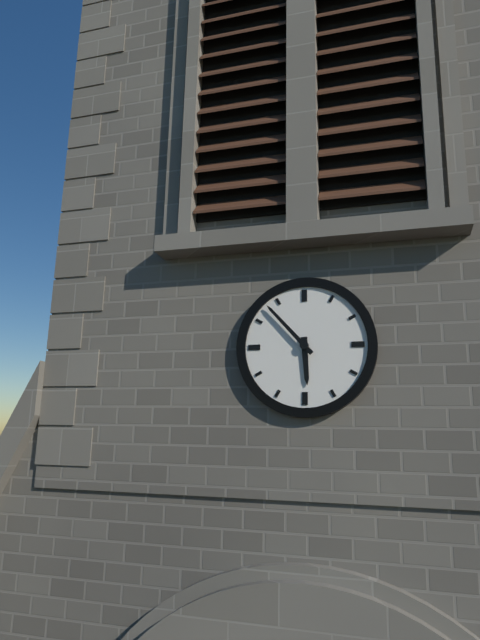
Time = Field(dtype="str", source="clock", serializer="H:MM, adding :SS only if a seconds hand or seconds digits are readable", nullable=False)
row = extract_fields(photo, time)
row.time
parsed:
5:53
